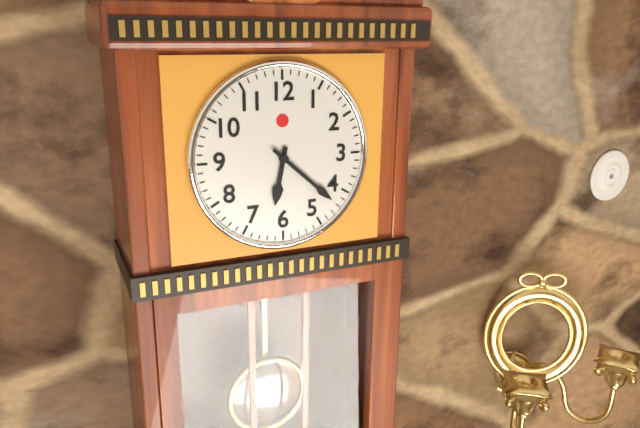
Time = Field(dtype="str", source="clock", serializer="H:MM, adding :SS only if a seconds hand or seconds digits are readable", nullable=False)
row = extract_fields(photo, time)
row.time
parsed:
6:22
